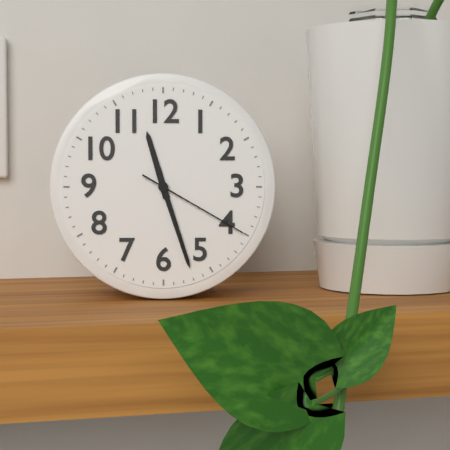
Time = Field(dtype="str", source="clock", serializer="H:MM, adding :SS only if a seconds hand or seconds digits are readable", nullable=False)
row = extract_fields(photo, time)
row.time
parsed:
11:27:20
